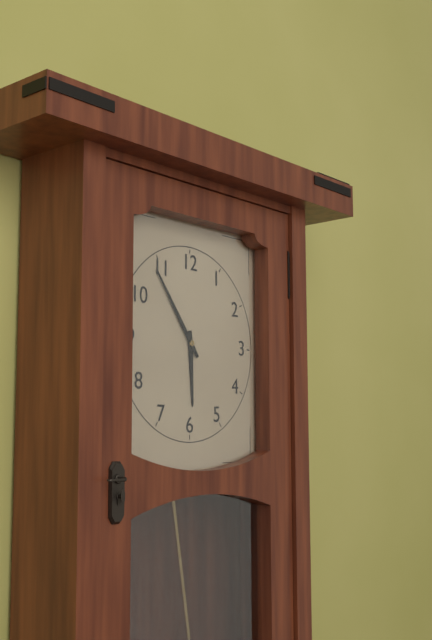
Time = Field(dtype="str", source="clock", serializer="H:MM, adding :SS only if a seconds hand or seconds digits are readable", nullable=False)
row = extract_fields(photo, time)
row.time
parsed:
5:54
